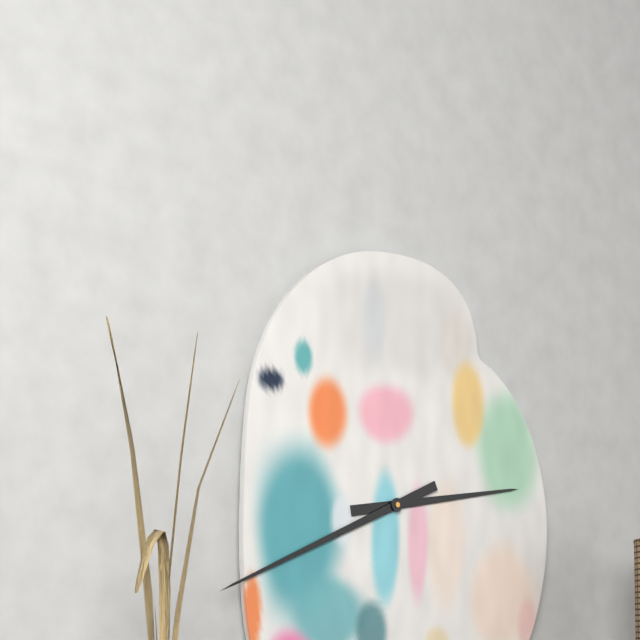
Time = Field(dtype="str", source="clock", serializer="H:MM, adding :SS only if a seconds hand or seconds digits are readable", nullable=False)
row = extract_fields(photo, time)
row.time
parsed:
2:41
